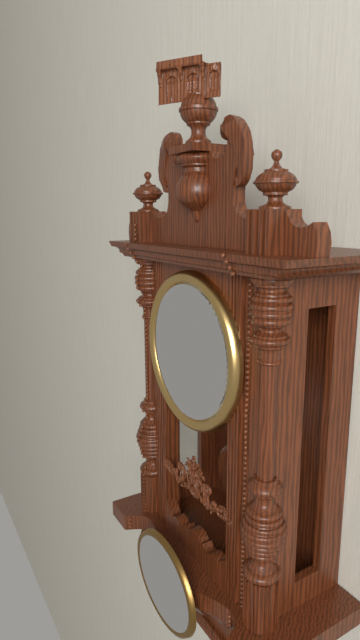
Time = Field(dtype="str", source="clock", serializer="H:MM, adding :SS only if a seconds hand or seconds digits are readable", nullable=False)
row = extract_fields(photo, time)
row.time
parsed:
8:22
